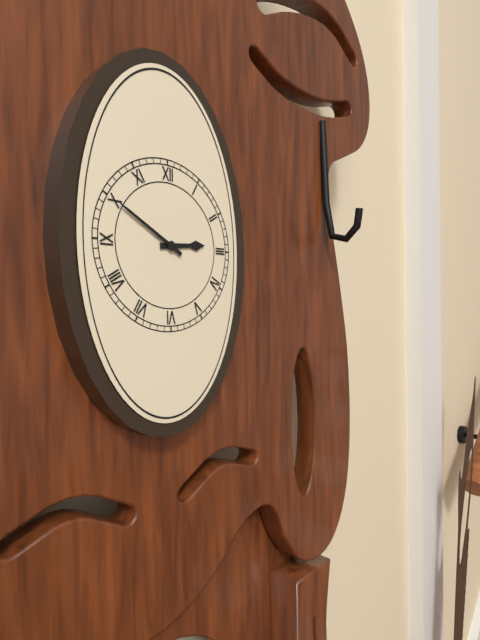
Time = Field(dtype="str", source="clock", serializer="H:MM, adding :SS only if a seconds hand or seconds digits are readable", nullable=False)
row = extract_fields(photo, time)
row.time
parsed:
2:50
